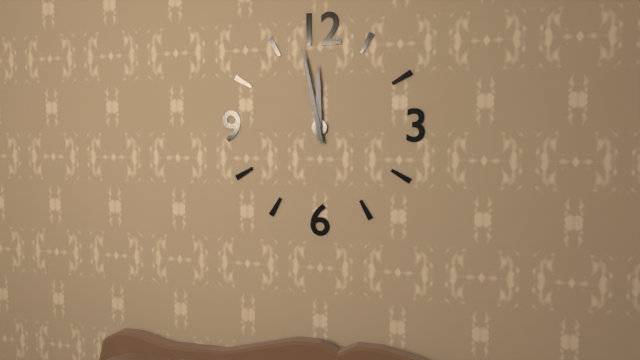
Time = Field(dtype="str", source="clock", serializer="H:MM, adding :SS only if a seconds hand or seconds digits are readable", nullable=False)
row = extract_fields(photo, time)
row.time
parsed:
11:58
